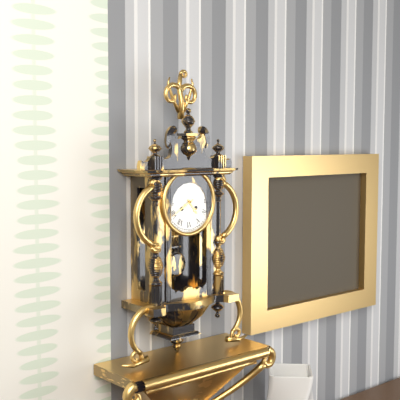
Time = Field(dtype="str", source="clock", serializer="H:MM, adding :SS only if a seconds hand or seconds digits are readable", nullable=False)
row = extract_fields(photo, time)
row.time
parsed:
4:40
